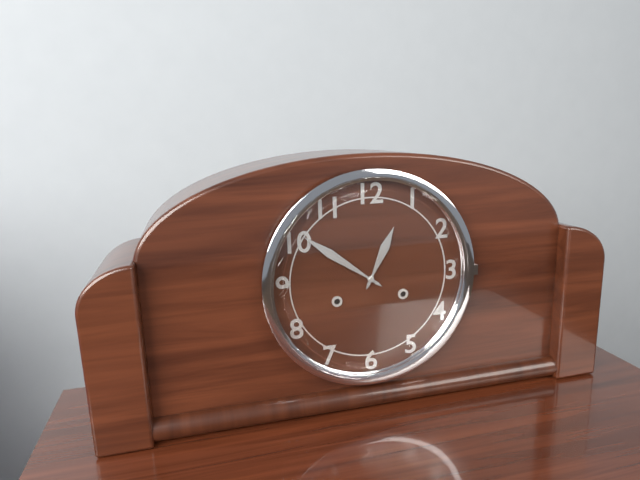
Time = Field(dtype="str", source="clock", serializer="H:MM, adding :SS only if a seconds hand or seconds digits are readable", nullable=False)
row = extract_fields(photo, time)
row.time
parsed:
12:51
